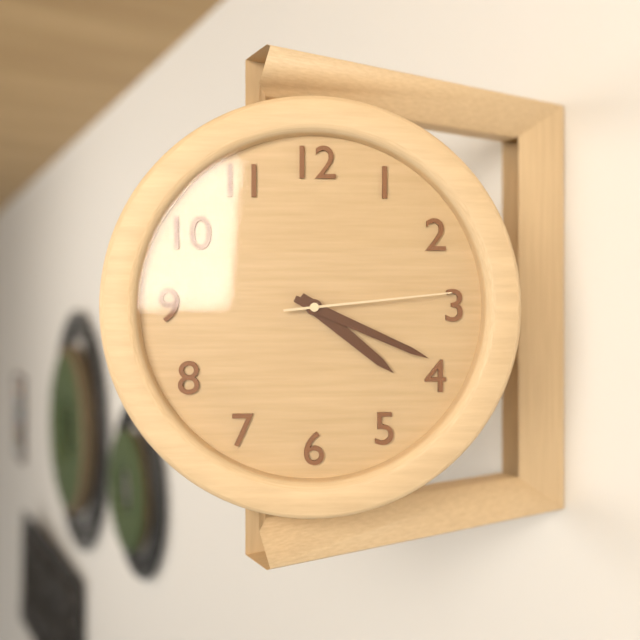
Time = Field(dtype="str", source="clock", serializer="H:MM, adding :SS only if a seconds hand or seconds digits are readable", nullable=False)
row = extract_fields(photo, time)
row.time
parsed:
4:19:14
